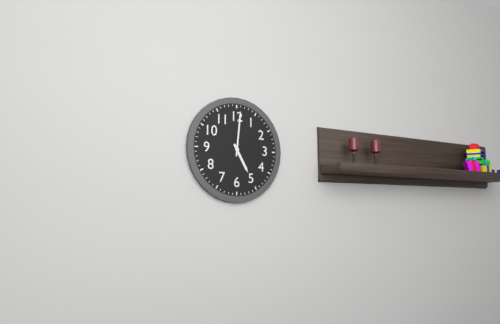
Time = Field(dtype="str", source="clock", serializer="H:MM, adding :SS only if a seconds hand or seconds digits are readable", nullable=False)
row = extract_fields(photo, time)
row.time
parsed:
5:01
